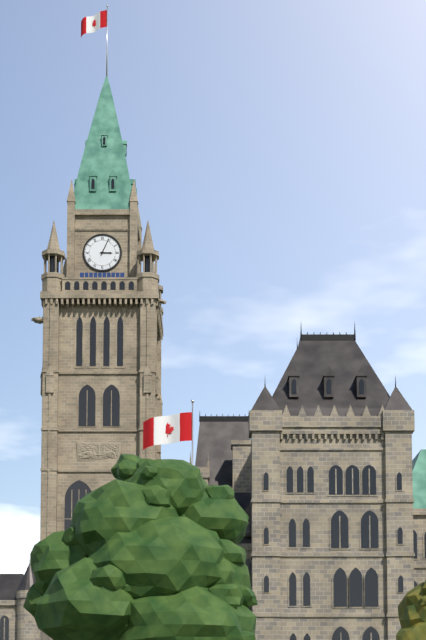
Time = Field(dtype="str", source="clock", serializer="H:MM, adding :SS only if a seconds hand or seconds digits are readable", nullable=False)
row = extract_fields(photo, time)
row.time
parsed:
3:04
